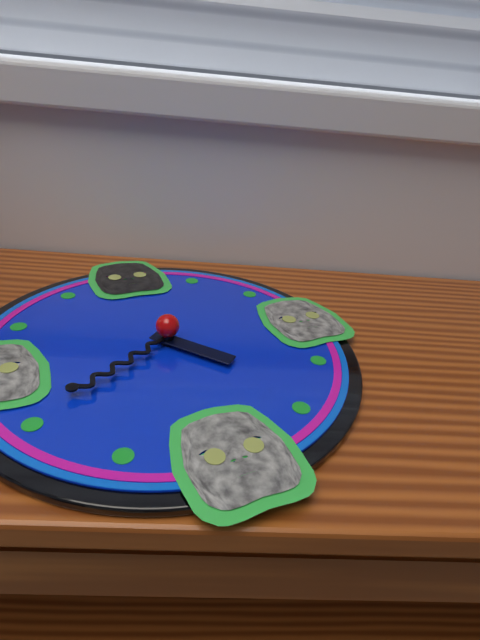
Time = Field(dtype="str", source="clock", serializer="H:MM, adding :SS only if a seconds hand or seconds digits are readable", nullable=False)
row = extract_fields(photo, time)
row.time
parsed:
4:40
